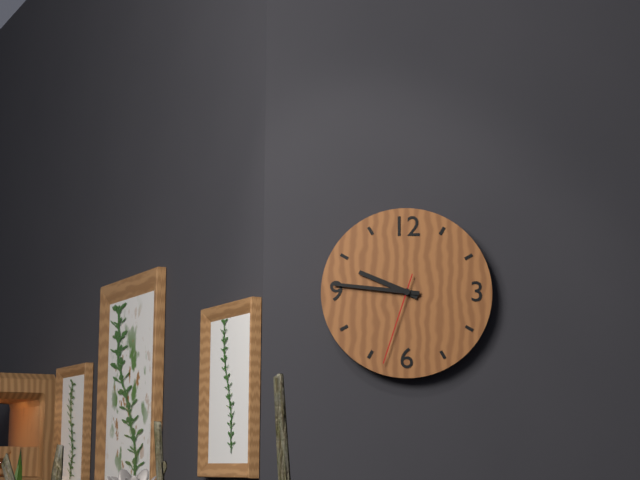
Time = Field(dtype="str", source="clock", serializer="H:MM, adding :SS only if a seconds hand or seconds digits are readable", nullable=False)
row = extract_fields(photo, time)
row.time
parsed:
9:46:33
